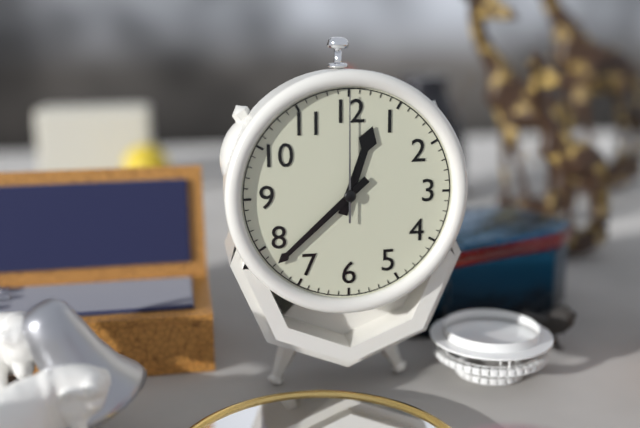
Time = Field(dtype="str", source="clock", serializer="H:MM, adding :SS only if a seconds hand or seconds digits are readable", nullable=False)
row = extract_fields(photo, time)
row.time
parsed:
12:38:00
